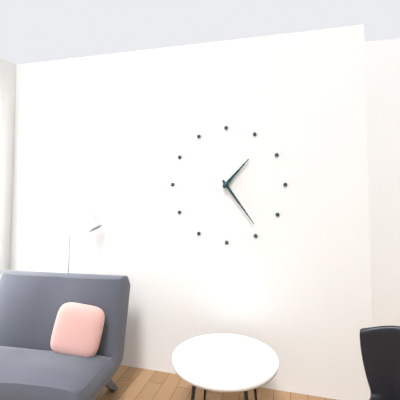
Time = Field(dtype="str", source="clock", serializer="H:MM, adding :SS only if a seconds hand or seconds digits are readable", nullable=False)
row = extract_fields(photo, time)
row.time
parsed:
1:24
